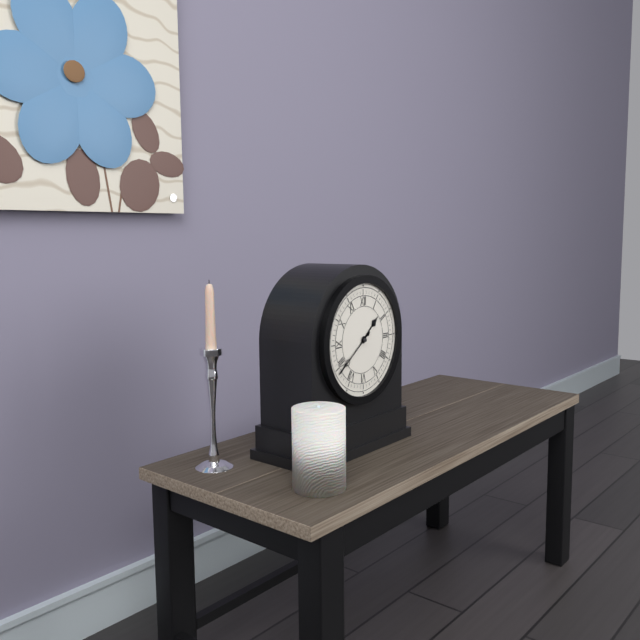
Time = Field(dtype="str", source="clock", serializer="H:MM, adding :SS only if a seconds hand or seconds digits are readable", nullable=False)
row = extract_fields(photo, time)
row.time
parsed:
1:39
